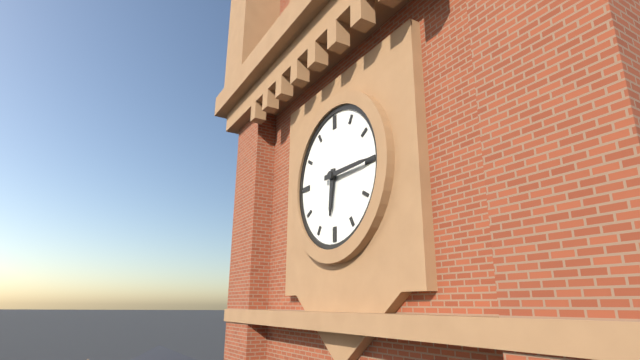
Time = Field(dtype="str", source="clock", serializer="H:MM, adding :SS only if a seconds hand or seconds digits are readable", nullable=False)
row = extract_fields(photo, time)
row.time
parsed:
6:15
